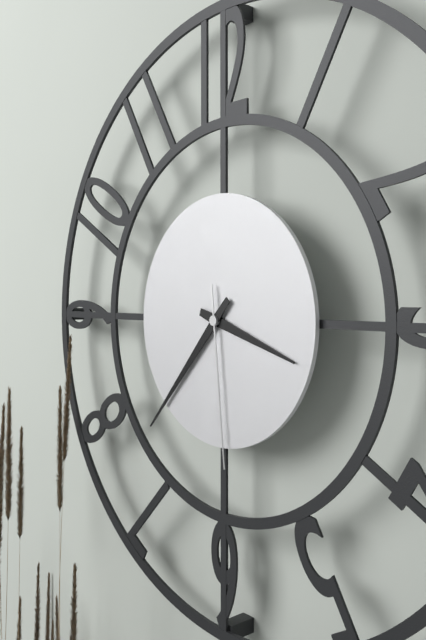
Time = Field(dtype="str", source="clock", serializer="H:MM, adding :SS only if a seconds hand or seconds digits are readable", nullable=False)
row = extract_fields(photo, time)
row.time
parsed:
3:37:29
